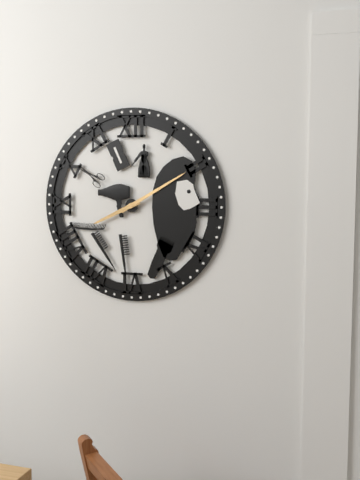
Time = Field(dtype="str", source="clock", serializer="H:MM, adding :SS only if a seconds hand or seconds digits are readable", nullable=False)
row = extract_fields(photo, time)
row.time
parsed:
8:10
